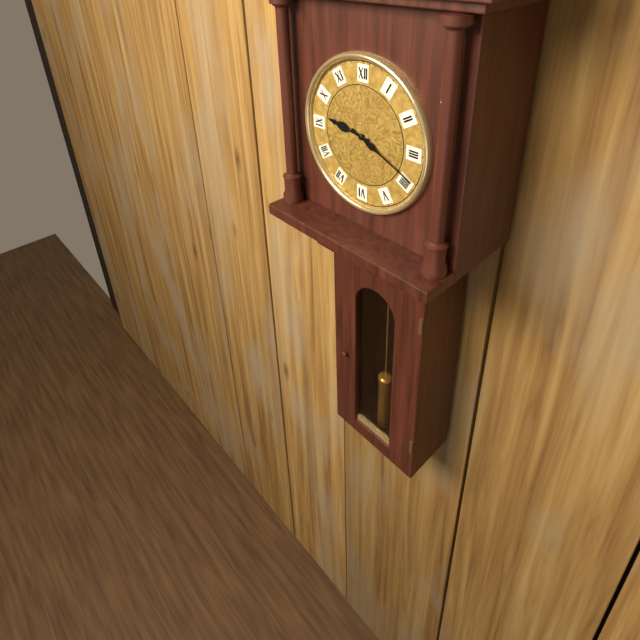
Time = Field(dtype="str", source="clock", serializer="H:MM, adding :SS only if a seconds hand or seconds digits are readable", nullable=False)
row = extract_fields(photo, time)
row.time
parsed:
9:19
